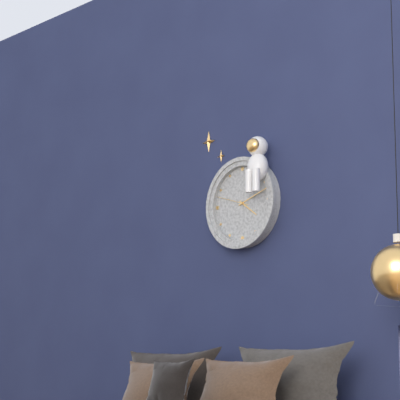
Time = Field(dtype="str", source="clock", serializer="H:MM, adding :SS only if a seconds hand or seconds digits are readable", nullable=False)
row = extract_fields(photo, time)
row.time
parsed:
4:12
